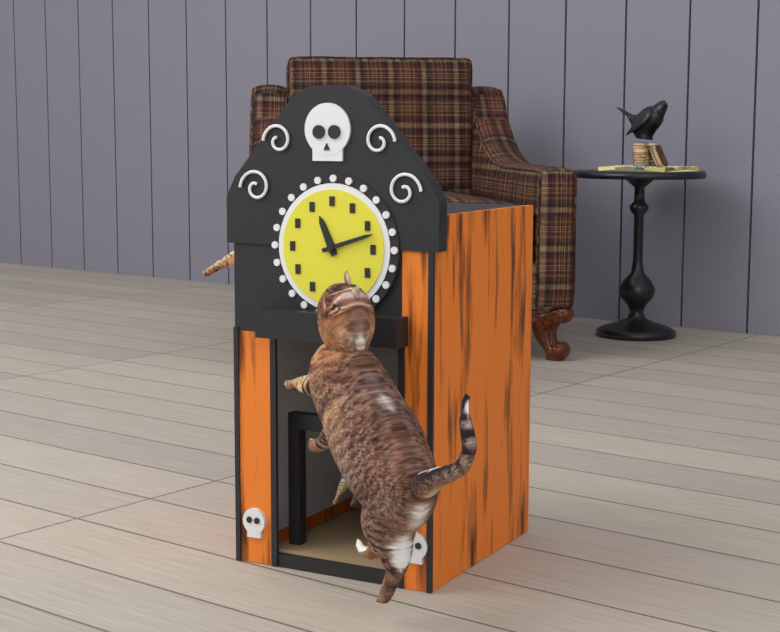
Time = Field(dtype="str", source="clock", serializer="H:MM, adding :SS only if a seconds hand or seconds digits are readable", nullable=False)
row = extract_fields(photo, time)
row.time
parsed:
11:12
